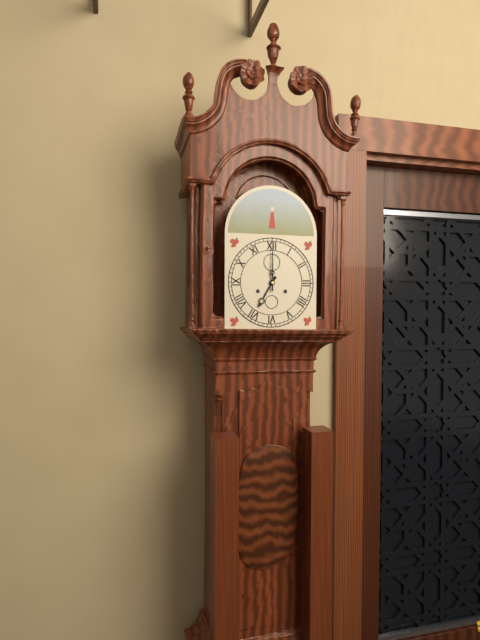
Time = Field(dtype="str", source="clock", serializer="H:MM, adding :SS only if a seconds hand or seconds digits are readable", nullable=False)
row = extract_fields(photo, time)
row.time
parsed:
7:00
